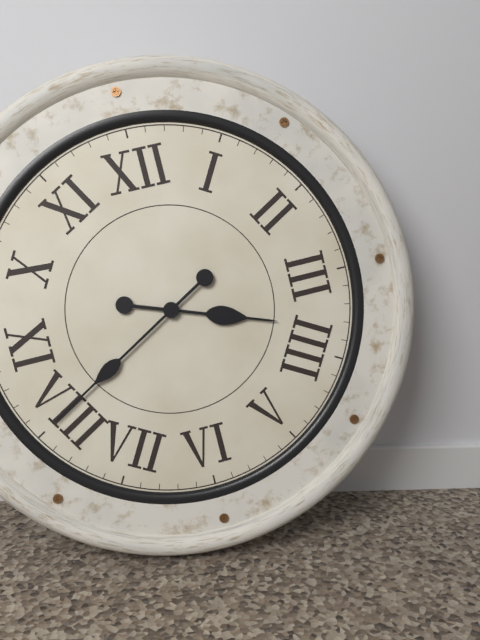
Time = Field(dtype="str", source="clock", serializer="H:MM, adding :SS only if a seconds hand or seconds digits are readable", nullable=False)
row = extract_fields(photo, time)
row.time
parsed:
3:40
